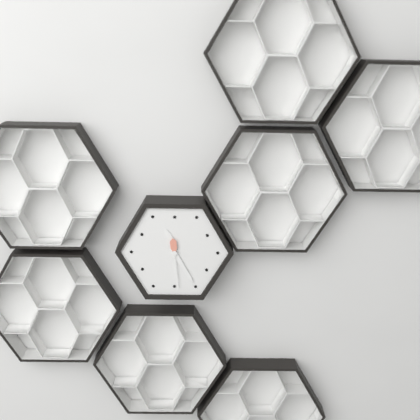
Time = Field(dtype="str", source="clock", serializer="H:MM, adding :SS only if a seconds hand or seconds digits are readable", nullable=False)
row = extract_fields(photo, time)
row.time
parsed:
11:25:29
